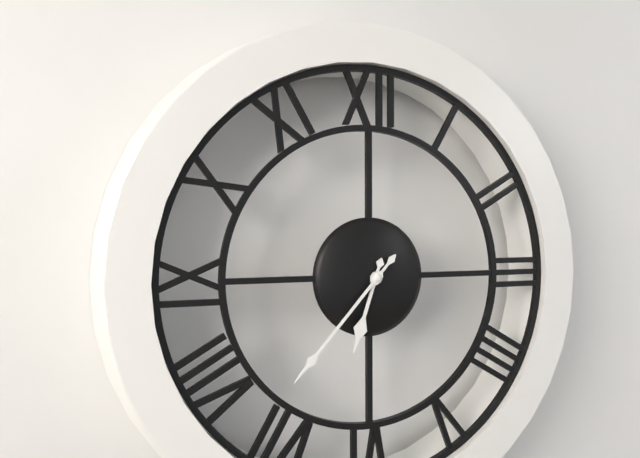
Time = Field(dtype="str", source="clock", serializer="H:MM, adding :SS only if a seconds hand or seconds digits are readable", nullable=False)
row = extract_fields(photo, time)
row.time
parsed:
6:37
